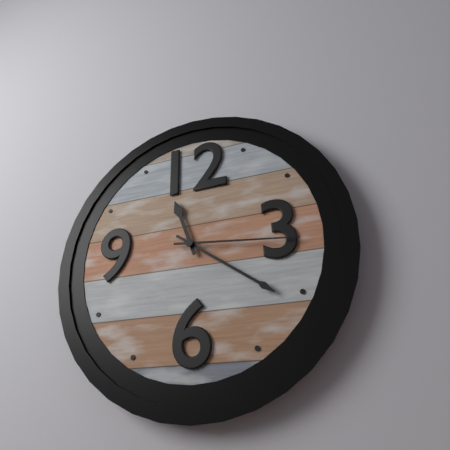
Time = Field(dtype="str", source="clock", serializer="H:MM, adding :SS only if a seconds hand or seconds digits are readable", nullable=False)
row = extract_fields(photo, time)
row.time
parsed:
11:21:16
